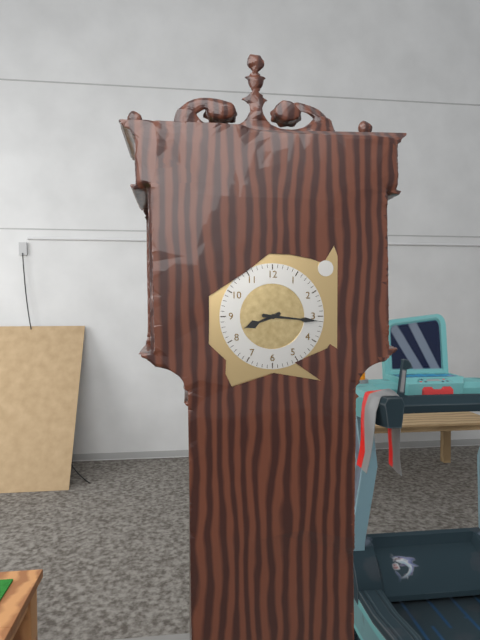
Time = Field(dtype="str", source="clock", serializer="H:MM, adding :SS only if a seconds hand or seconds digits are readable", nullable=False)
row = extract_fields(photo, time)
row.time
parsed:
8:16
